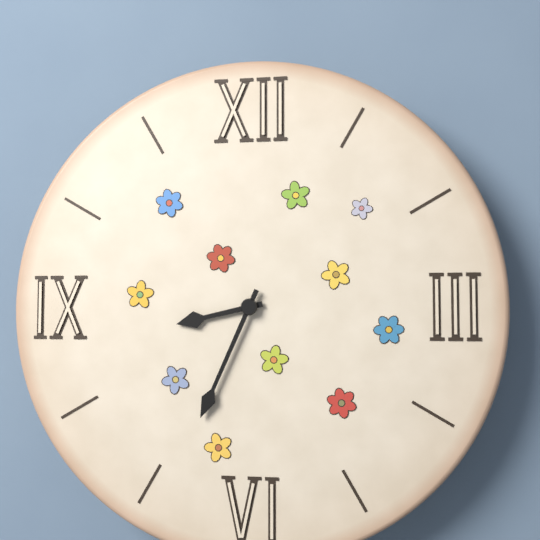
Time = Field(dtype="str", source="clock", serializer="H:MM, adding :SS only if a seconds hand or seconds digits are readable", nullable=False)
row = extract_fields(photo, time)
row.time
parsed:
8:34
